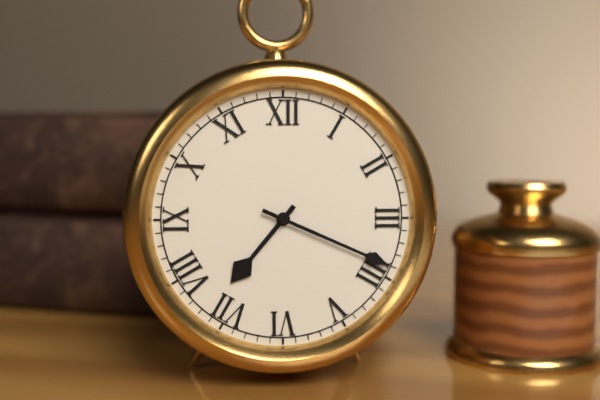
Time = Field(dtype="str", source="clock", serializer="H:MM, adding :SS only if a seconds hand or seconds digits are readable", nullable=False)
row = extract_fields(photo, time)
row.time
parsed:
7:19
